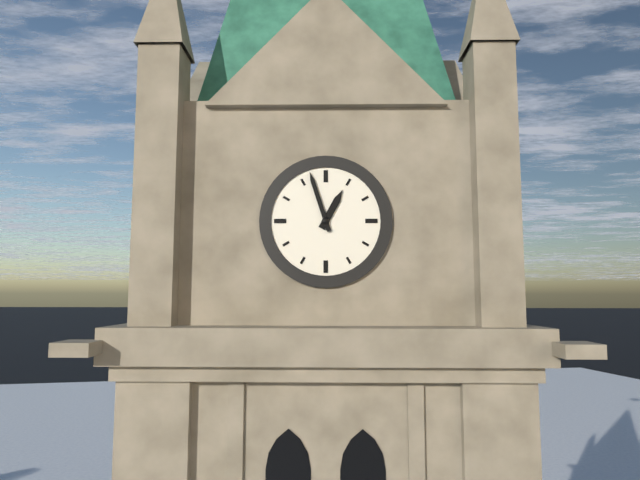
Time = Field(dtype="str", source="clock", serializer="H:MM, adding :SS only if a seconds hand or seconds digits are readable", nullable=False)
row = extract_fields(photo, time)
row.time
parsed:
12:57
